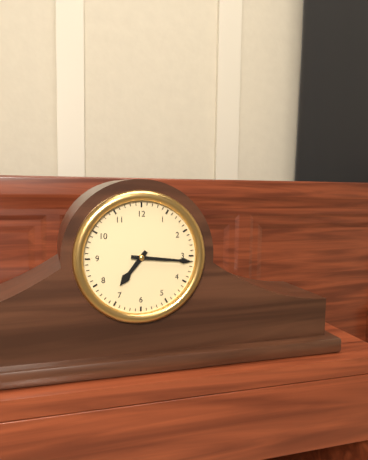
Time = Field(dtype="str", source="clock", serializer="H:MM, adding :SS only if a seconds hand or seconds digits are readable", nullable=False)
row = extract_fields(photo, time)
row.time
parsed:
7:16
